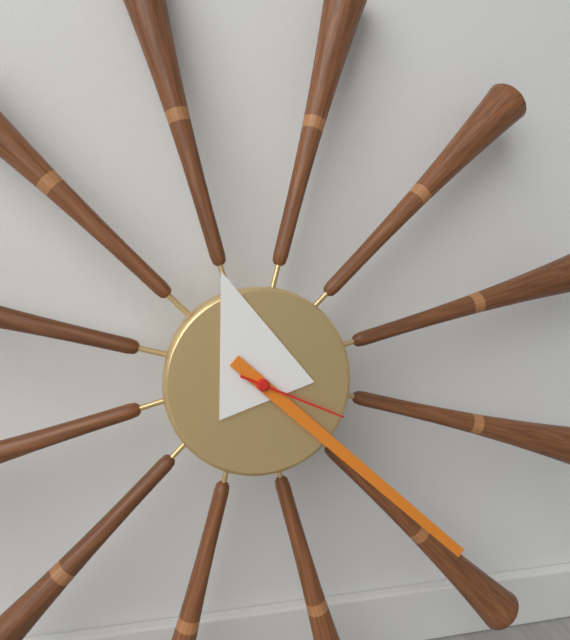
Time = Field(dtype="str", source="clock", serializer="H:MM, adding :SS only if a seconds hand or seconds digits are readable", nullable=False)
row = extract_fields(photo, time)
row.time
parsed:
11:22:19
